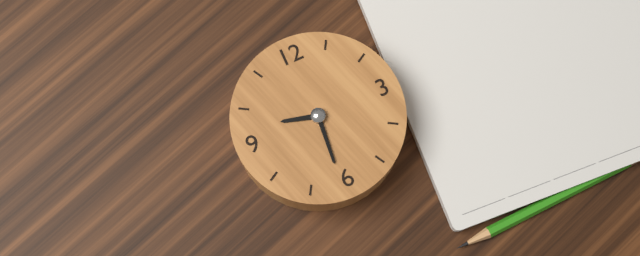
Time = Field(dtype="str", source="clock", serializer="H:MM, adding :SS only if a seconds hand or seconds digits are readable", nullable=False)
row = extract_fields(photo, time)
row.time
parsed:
9:31
